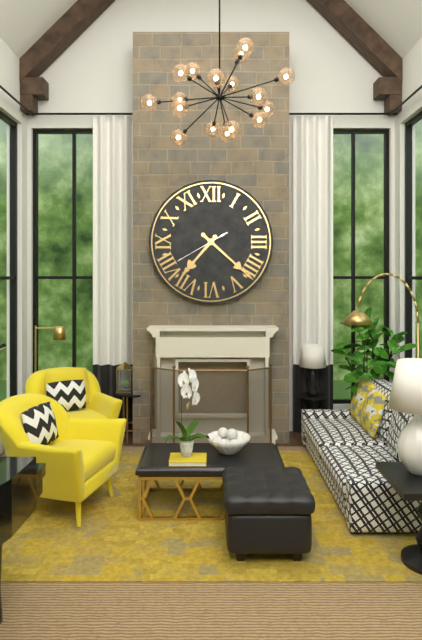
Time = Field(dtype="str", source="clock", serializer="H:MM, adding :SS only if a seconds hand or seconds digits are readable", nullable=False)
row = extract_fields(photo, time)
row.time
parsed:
7:22
